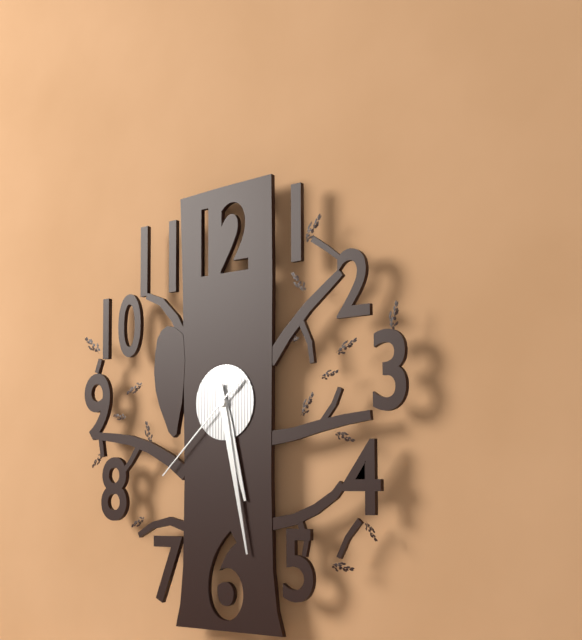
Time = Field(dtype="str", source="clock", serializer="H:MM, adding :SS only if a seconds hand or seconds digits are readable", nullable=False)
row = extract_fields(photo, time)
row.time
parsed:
5:28:38
